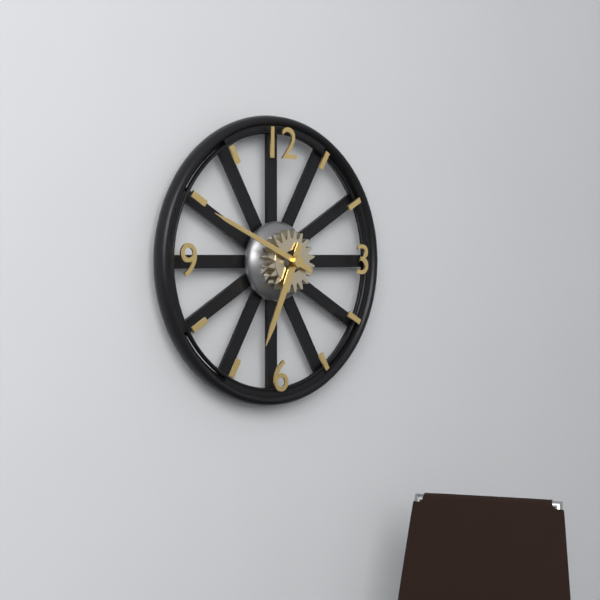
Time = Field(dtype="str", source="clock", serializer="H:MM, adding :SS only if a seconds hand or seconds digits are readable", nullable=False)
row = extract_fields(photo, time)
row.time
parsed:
6:49
